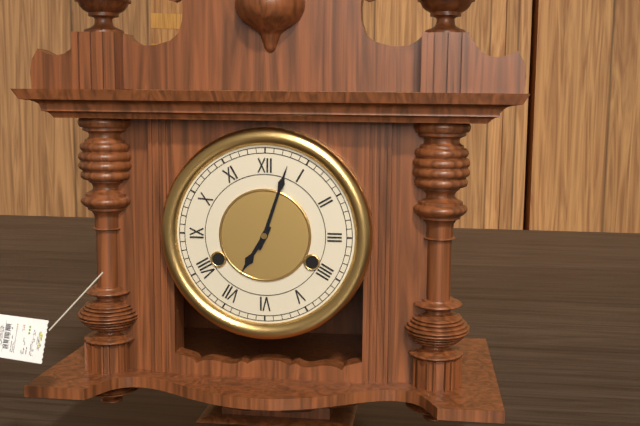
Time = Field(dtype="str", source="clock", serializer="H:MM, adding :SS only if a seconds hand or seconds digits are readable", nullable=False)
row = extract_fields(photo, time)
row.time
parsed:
7:03
